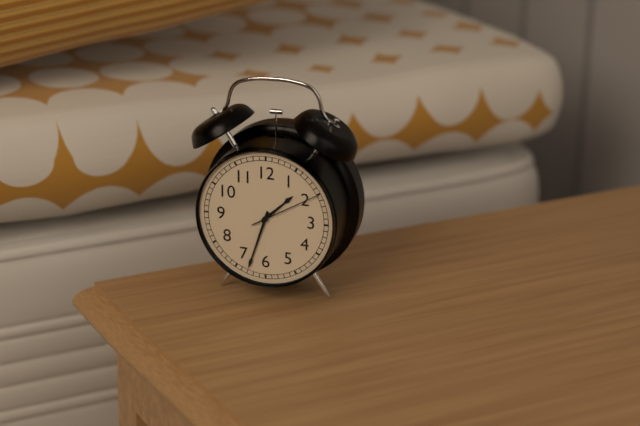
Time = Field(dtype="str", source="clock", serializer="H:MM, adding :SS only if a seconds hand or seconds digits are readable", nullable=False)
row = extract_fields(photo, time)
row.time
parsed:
1:33:10
